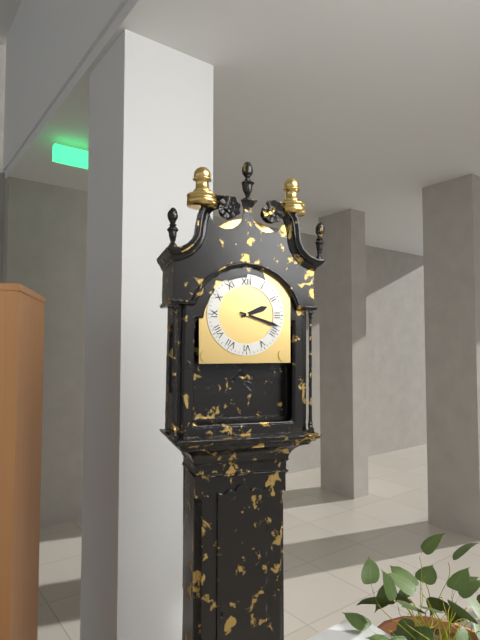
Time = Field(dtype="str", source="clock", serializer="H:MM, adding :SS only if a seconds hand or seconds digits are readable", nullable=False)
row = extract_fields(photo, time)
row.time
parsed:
2:18
